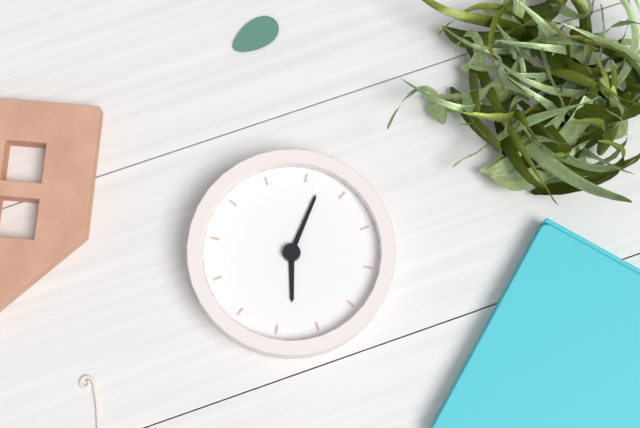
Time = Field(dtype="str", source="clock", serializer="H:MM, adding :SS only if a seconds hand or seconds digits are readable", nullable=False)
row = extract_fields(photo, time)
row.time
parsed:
12:37
